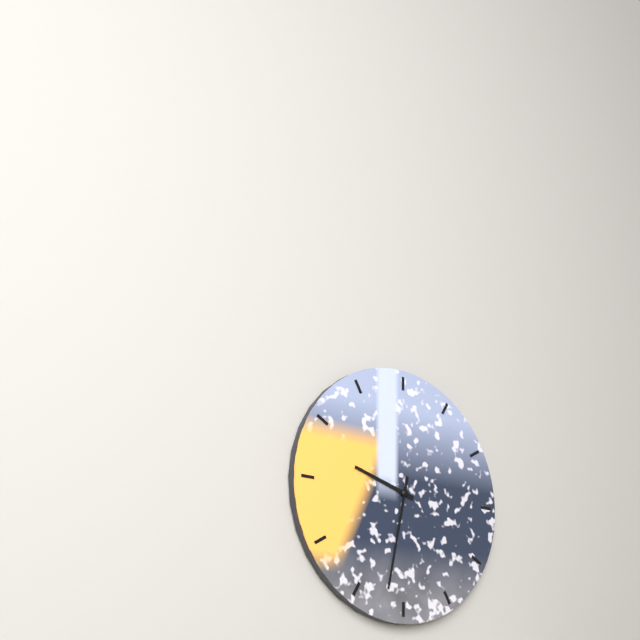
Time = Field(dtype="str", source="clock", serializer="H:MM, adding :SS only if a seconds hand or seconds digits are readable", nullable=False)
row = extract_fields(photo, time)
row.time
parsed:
9:32
